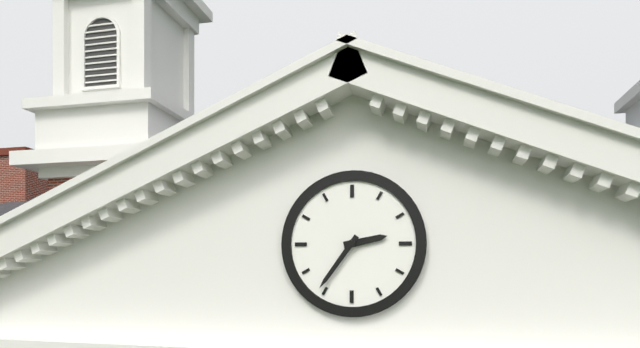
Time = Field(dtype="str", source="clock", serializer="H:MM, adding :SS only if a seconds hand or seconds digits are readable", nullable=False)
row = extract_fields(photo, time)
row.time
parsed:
2:36
